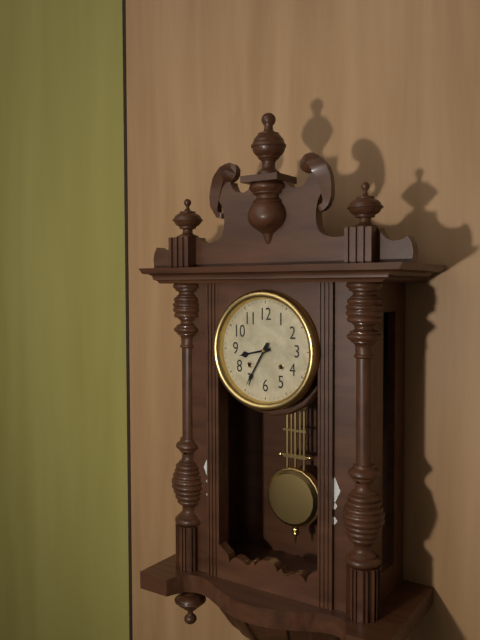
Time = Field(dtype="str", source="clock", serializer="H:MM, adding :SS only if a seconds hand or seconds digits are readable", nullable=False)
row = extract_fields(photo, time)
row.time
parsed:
8:35
